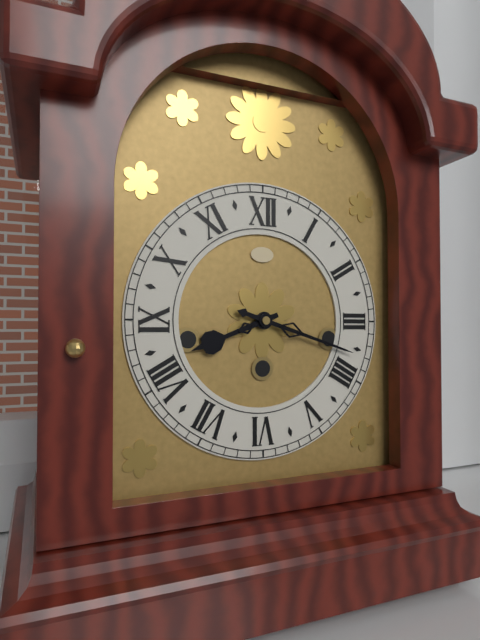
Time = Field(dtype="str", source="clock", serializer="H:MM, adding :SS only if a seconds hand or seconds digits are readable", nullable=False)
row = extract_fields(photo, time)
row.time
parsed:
8:18
